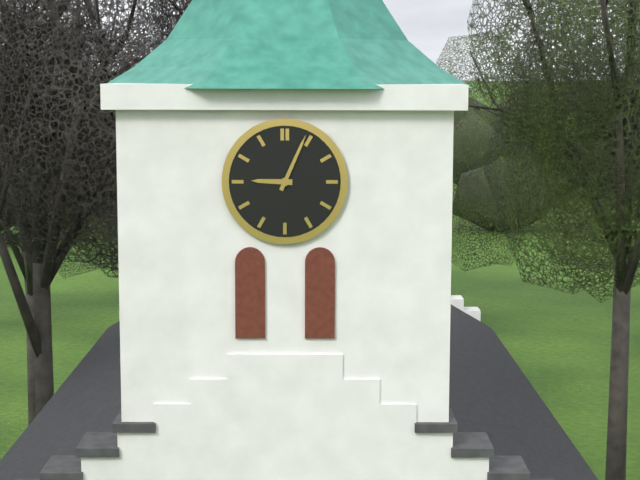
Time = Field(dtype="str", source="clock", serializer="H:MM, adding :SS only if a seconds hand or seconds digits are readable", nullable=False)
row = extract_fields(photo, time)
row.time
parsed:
9:04
